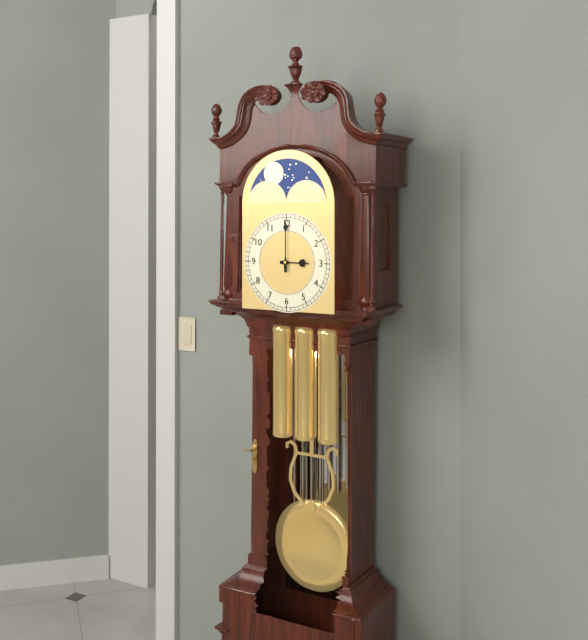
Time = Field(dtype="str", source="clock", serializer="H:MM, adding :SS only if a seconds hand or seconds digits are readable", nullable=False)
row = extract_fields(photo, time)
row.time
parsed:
3:00
